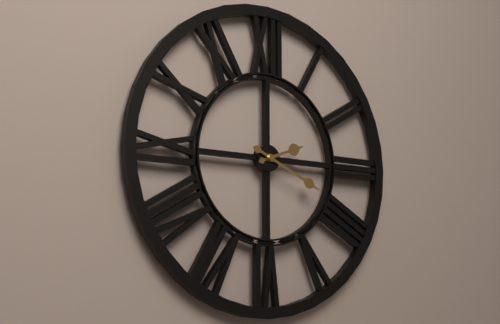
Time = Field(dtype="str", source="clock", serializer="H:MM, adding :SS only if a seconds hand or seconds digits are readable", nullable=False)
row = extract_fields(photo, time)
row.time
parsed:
2:19
